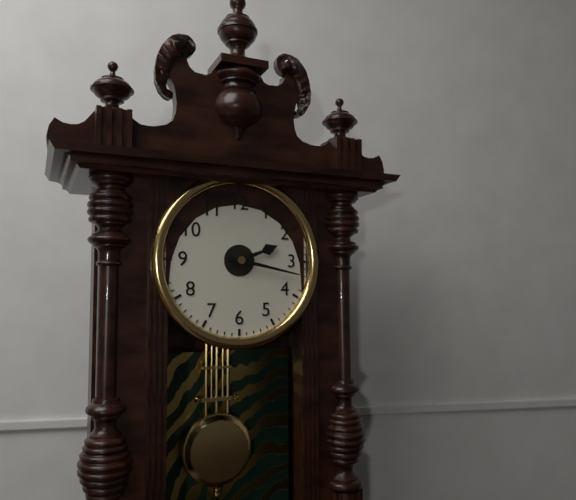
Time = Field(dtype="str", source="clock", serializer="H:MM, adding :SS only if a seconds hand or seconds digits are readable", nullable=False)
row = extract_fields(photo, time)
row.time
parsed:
2:17
